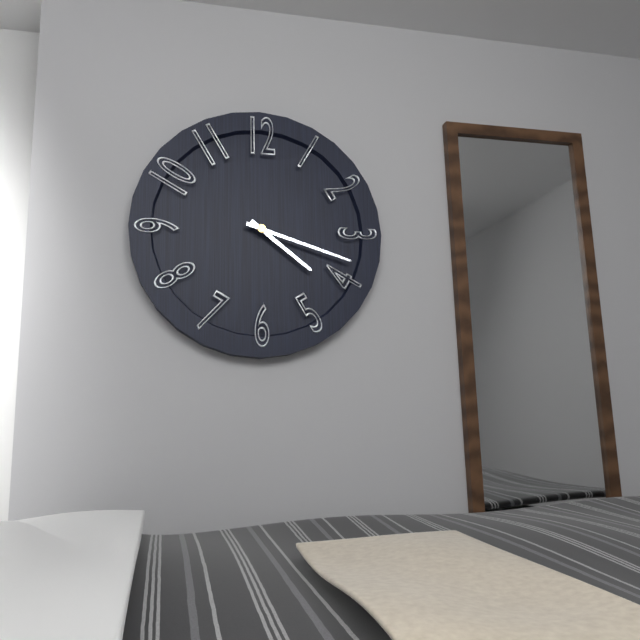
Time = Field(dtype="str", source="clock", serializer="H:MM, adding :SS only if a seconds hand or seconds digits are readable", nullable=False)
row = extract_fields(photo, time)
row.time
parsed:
4:18
